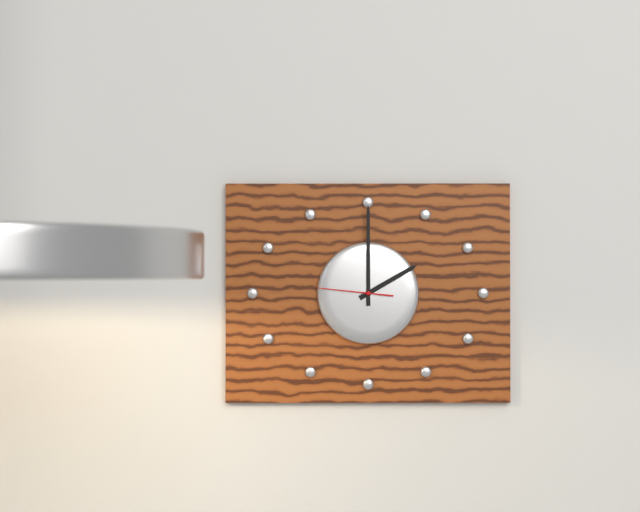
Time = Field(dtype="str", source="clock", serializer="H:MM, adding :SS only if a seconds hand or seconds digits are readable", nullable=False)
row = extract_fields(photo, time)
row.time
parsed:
2:00:46
